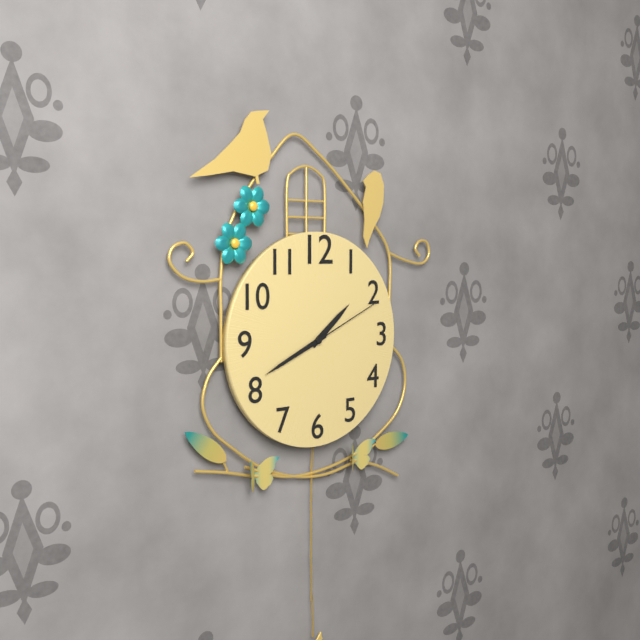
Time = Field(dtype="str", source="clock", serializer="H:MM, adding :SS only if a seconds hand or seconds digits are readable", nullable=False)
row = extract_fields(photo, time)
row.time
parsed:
1:41:11
